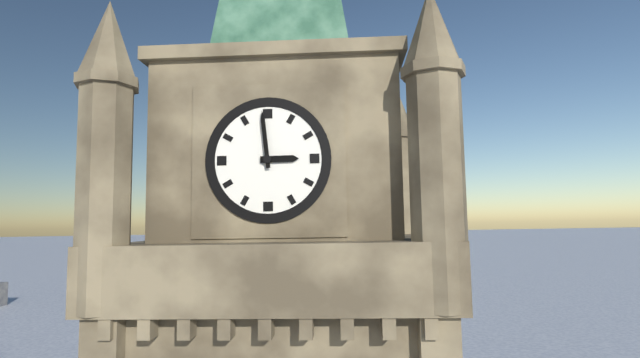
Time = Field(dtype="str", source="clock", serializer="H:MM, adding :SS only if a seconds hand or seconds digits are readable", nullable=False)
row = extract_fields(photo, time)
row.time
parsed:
2:59
